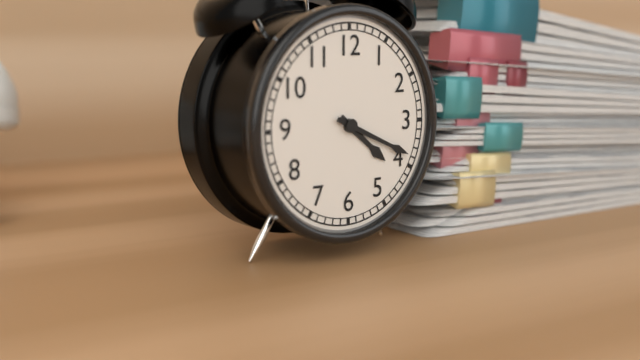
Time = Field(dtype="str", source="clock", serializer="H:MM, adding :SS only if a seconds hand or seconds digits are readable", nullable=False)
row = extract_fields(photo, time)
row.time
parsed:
4:19
